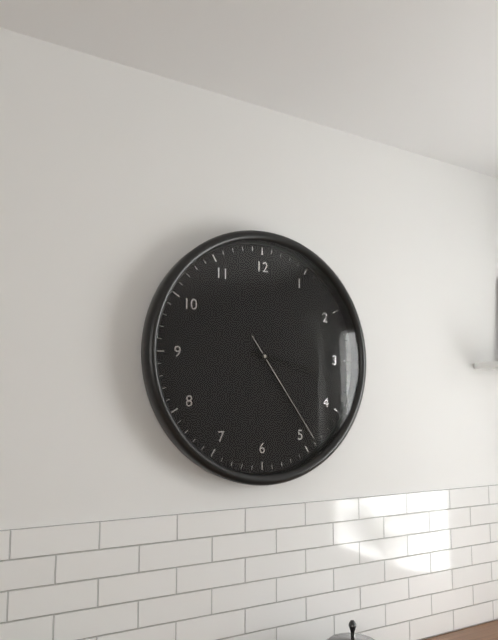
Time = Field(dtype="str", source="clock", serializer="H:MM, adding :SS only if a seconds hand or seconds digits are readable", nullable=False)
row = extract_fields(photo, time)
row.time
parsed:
3:24:24
